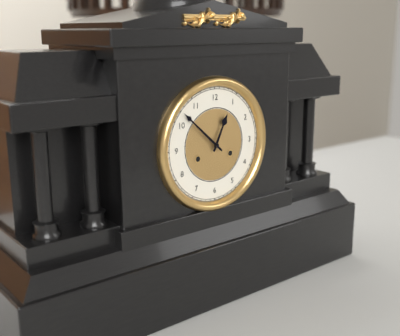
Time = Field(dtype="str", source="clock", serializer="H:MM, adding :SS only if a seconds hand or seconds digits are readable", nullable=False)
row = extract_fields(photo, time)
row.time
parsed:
12:52
